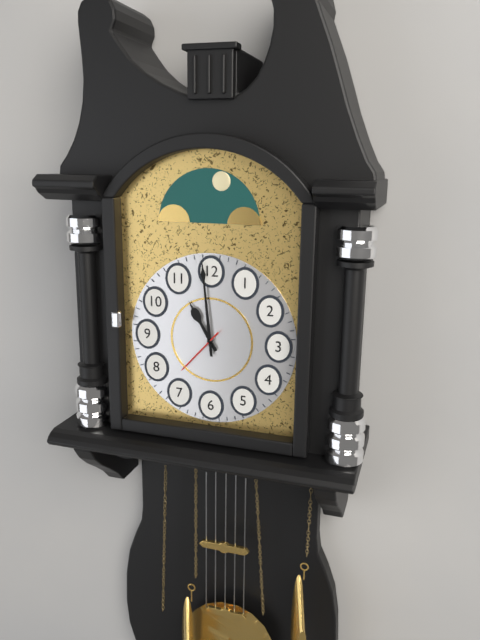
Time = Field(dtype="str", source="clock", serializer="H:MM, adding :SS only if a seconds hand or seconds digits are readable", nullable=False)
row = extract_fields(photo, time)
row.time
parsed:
10:59:37
